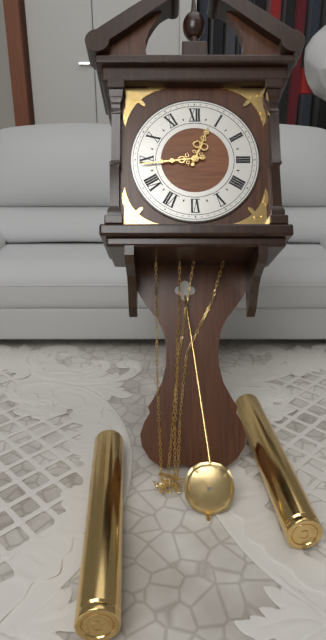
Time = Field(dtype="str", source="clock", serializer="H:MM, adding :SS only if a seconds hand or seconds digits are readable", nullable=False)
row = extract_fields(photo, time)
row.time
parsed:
12:44
